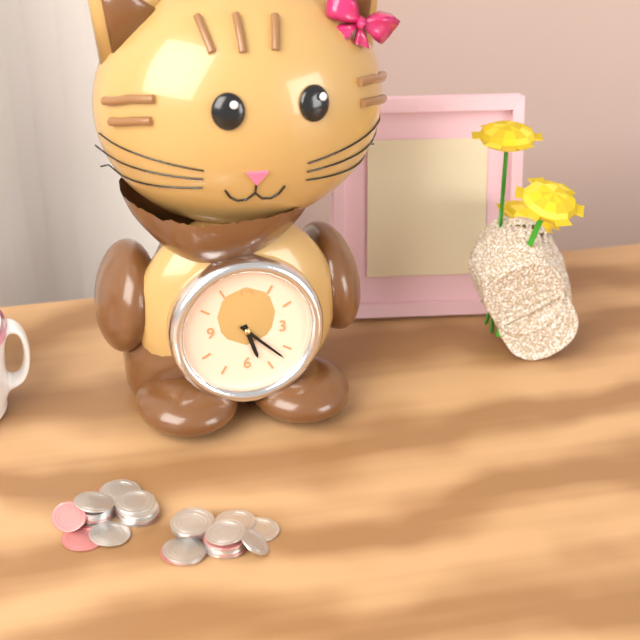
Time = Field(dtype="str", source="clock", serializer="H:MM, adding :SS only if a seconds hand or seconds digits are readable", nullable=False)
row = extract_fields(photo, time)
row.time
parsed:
5:22
